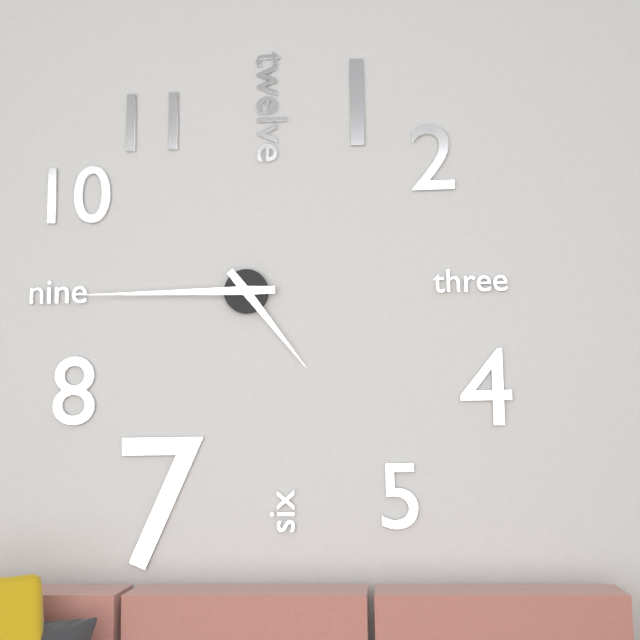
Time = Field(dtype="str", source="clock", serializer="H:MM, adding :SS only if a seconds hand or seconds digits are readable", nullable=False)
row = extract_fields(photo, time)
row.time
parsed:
4:45
